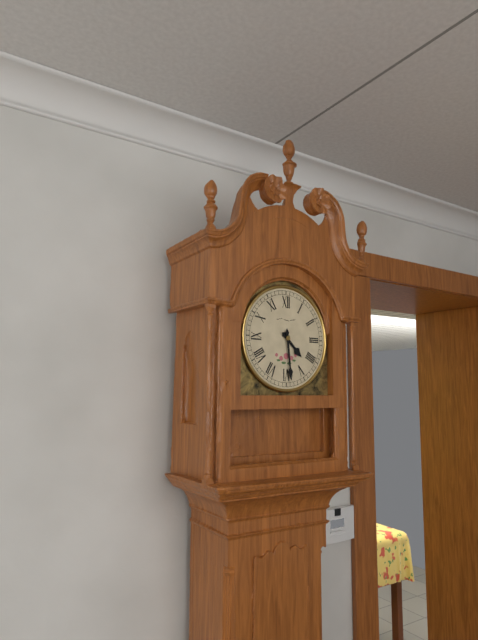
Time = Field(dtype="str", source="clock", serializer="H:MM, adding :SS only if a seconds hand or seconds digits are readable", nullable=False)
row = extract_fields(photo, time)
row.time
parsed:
4:29
